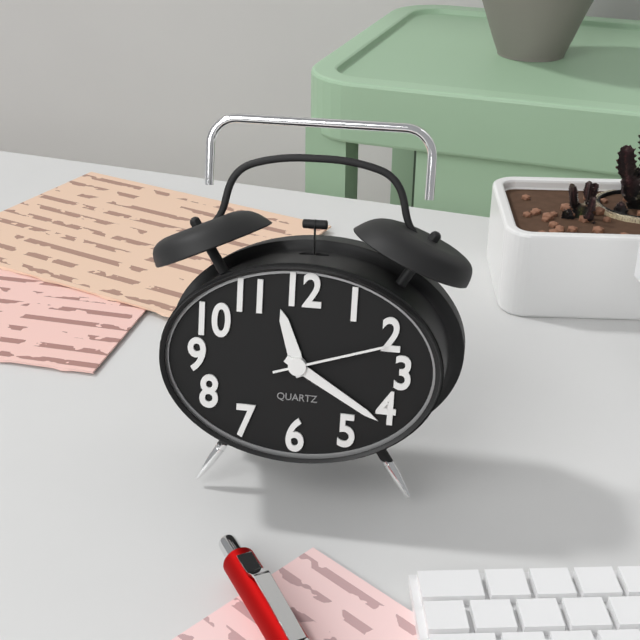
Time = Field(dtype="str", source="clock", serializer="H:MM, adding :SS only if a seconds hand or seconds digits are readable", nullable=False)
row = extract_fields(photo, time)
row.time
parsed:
11:20:12
